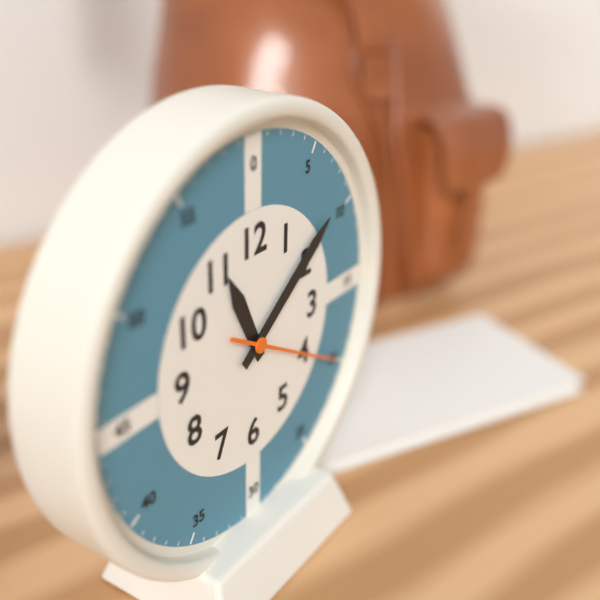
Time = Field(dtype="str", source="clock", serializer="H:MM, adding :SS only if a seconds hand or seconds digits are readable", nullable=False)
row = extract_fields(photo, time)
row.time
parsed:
11:09:20
